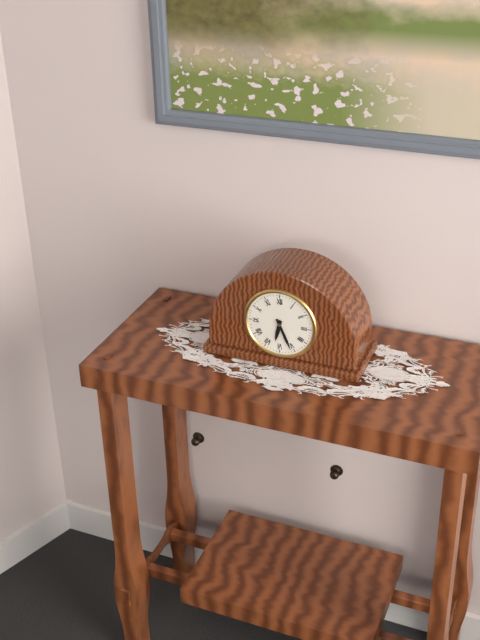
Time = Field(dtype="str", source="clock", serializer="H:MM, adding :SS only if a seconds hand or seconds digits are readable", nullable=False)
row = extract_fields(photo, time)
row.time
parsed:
6:26
